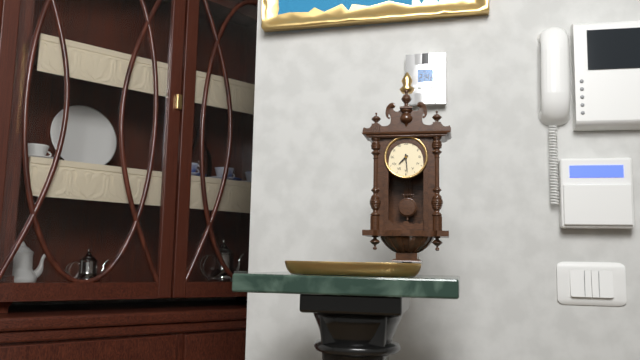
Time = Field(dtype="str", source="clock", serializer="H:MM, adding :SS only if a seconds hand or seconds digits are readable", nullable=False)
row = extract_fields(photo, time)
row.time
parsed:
7:29
